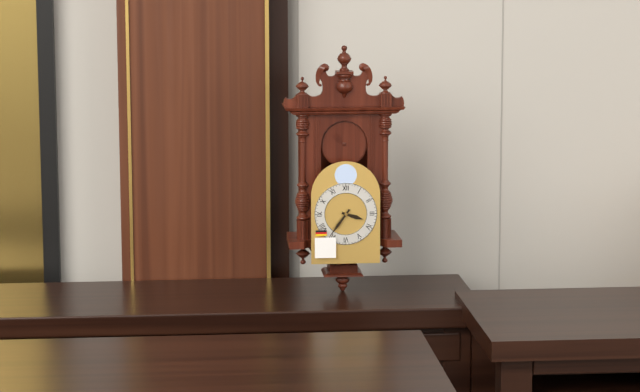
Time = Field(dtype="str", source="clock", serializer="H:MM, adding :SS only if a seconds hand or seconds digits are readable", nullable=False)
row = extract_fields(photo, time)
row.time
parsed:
3:36
